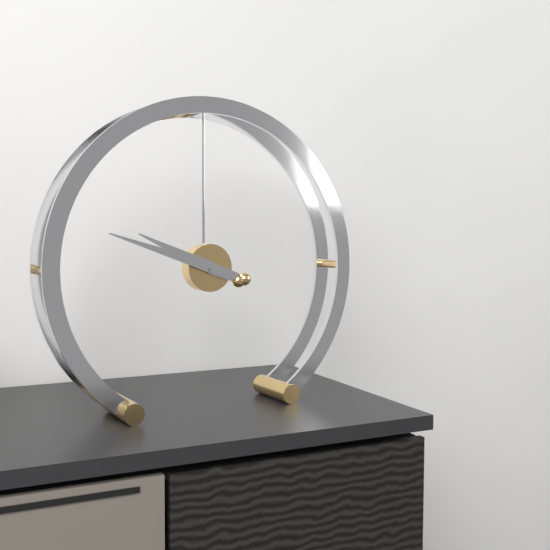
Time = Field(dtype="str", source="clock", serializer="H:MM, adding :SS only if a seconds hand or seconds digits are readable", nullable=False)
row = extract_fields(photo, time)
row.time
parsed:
9:48
